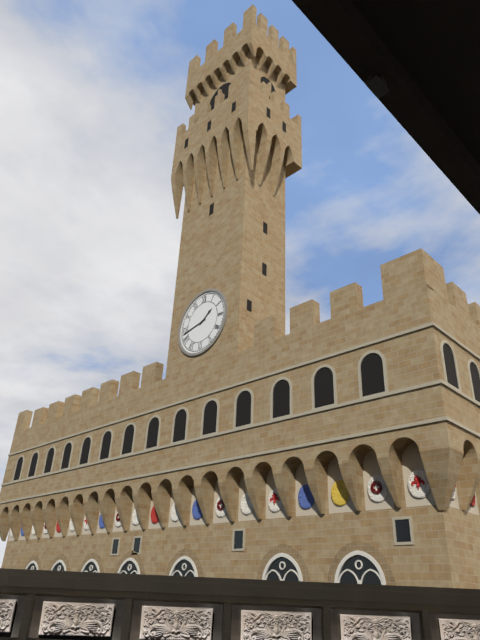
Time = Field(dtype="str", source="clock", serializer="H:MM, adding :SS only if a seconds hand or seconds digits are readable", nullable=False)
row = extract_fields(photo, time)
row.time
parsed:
1:43
